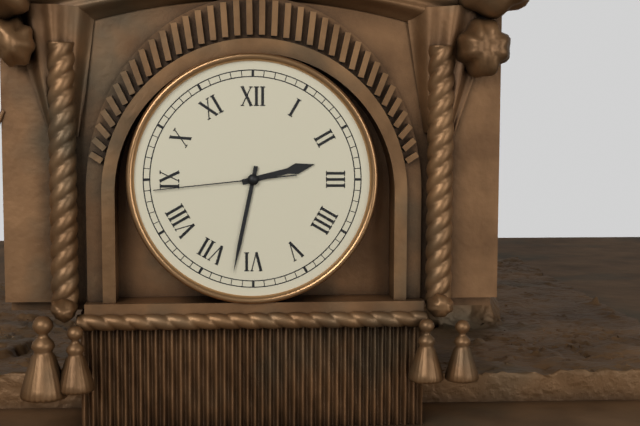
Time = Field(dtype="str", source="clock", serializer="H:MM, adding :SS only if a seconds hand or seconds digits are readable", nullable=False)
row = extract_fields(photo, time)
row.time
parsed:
2:32:44
